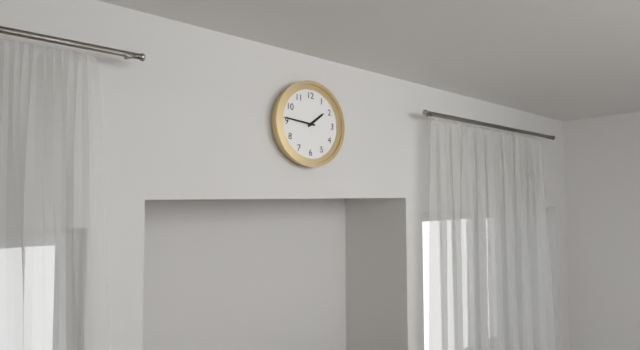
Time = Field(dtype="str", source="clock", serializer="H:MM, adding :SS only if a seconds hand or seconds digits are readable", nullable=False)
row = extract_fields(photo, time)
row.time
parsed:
1:46
